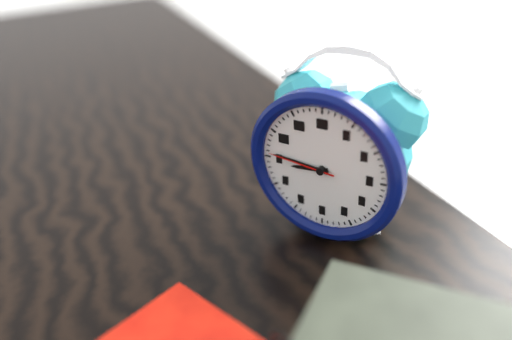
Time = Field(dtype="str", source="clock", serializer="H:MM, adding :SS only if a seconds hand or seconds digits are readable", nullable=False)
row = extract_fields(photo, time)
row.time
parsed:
8:46:46
